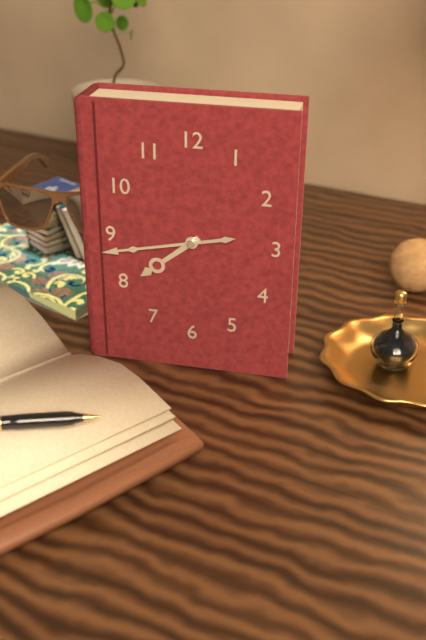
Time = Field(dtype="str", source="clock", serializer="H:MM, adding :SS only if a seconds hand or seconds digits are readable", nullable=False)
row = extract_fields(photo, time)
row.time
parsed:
7:43
